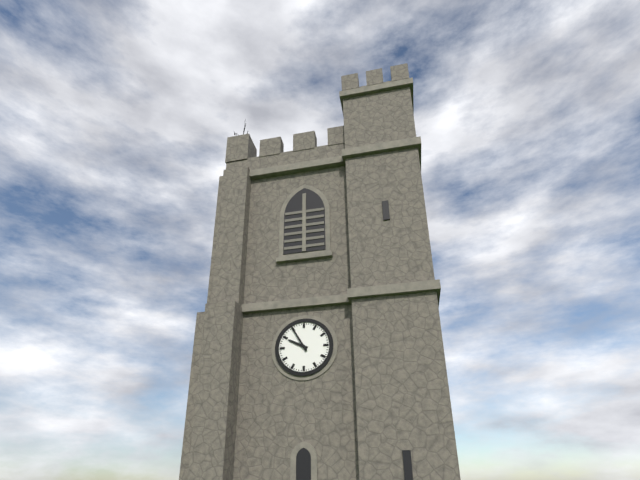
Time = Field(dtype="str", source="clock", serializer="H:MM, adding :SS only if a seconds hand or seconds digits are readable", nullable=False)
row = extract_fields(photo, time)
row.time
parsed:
9:55
